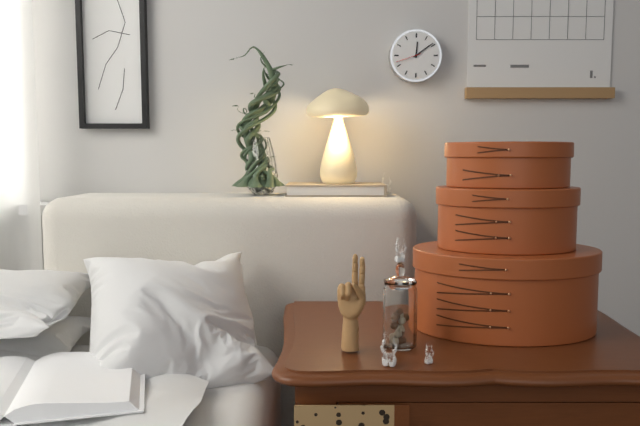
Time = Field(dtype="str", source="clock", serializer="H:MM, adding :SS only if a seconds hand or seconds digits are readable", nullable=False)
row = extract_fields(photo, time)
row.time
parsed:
12:09
